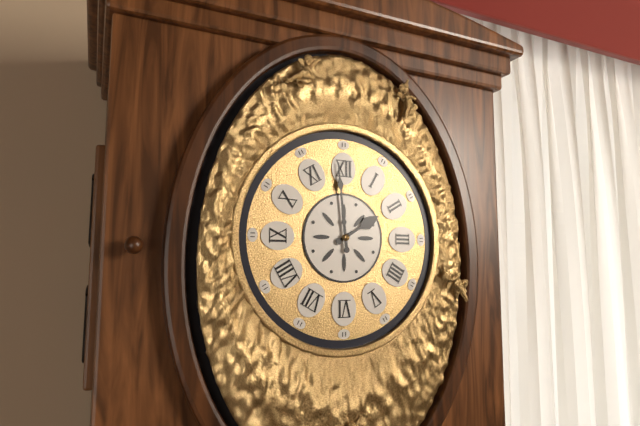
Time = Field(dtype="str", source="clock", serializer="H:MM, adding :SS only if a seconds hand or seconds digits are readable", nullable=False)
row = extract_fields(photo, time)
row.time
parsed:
1:59
